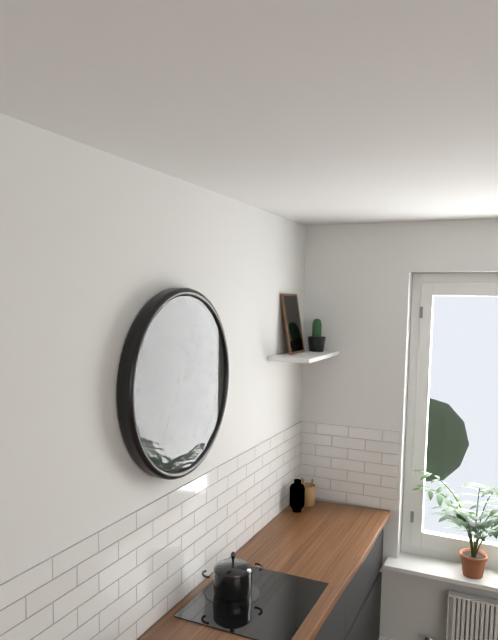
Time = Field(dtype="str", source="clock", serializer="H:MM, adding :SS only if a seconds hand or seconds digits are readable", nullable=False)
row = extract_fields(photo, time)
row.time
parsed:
7:35:25
